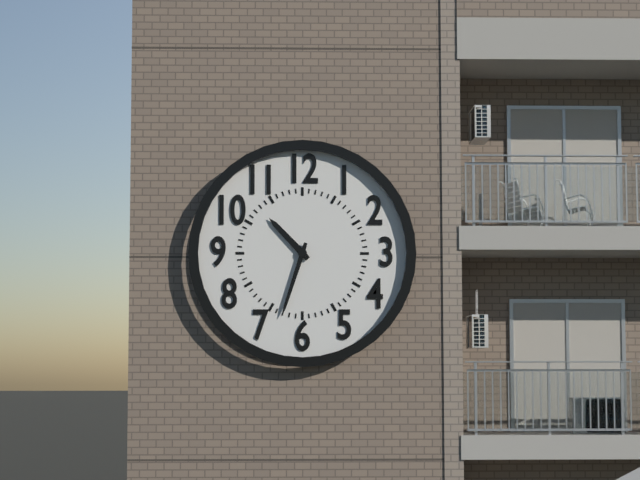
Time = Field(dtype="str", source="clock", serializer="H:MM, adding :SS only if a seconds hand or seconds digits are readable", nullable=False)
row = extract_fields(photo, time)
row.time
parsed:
10:33
